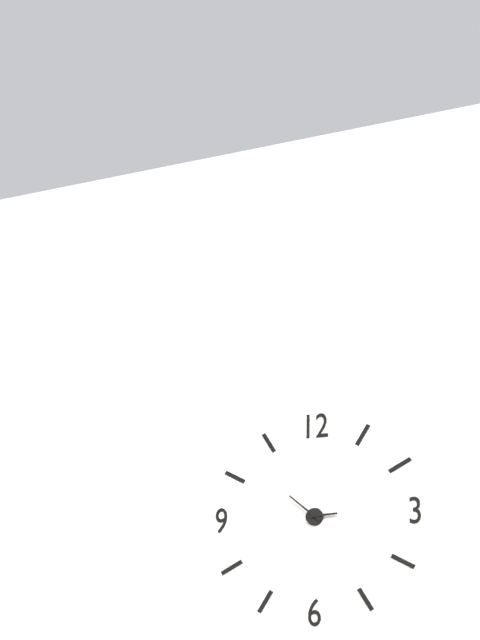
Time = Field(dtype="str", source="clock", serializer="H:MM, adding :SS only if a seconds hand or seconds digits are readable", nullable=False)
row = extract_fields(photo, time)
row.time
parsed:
2:52
